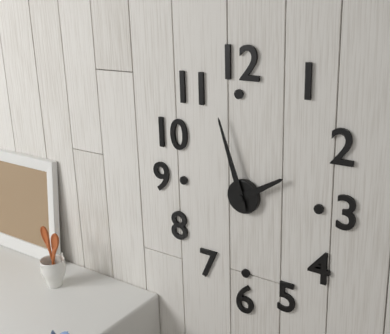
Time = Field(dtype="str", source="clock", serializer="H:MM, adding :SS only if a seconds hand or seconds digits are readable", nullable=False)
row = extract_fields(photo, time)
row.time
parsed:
1:57
